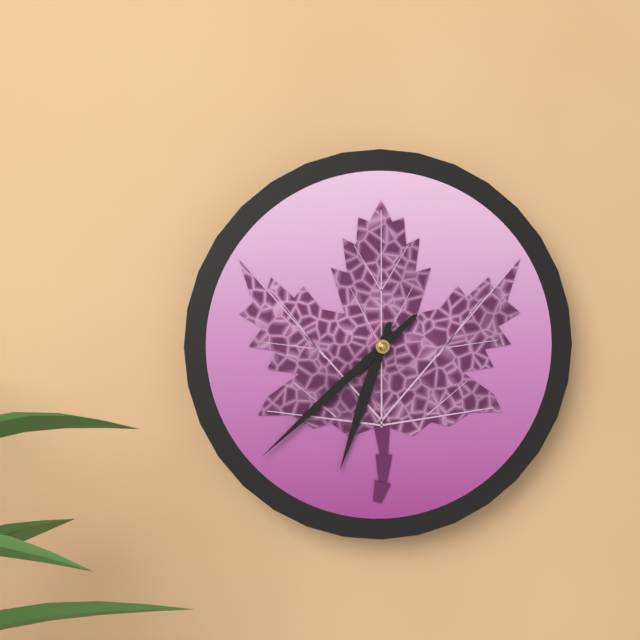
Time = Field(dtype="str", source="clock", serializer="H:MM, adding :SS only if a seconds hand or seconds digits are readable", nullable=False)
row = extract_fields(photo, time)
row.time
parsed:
6:38
